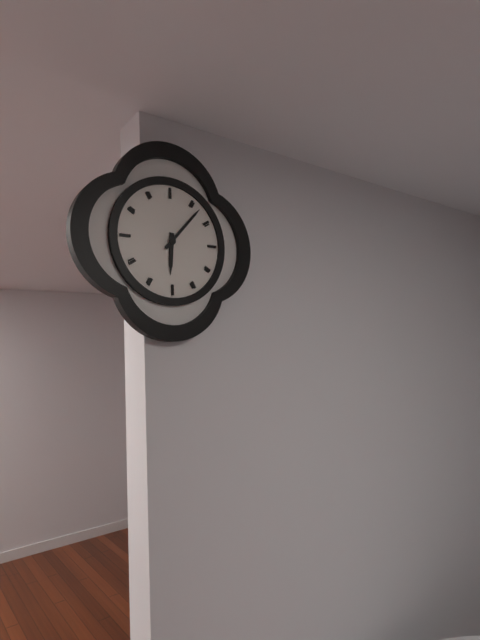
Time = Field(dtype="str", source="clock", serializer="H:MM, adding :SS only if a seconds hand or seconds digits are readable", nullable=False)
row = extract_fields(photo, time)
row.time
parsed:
6:07
